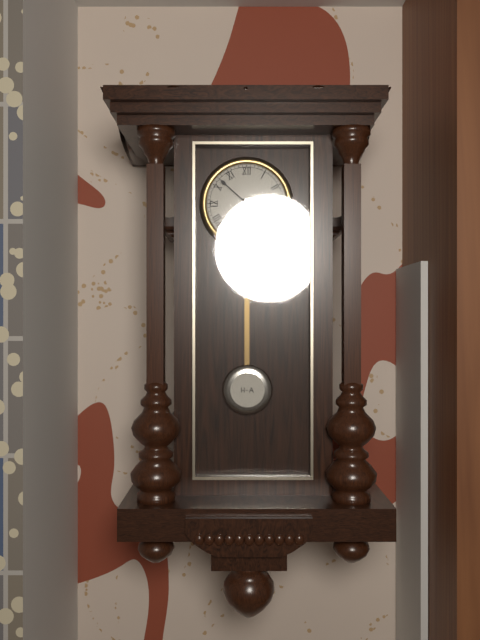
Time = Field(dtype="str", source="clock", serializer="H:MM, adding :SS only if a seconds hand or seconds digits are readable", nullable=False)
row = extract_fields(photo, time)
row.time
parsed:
4:52
